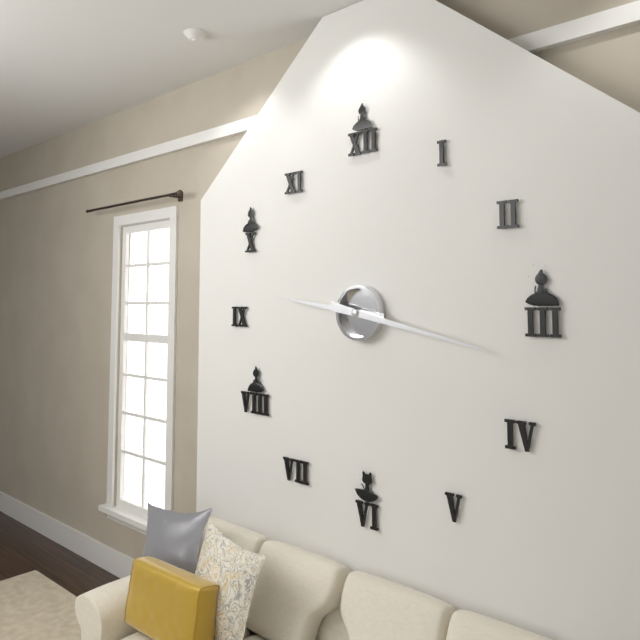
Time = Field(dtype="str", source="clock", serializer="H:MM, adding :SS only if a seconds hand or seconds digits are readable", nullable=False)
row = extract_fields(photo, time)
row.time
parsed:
9:17
